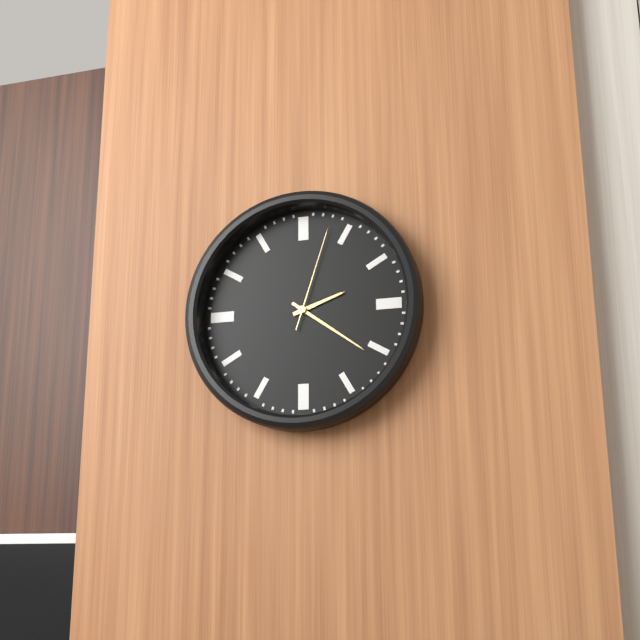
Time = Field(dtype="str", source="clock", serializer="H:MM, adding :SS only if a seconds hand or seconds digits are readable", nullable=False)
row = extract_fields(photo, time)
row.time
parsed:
2:21:03
